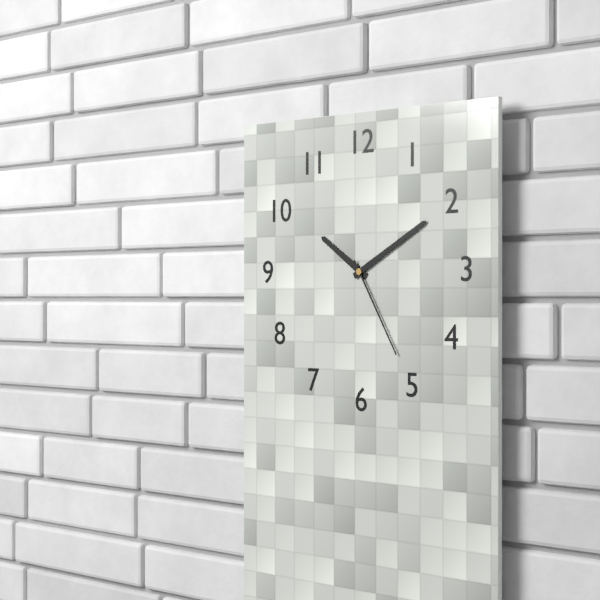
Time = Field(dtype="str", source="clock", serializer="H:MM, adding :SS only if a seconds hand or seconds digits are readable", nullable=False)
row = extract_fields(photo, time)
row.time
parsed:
10:10:25
